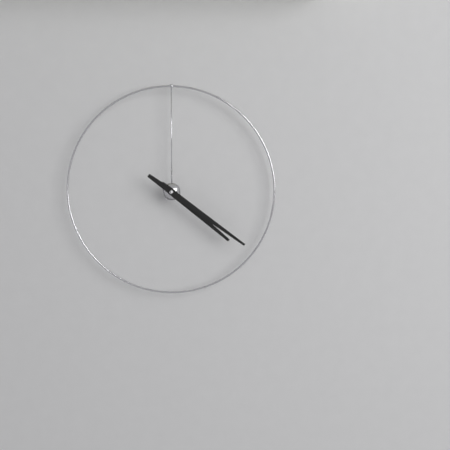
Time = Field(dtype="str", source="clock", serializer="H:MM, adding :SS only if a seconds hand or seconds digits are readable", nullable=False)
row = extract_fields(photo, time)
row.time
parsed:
4:21
